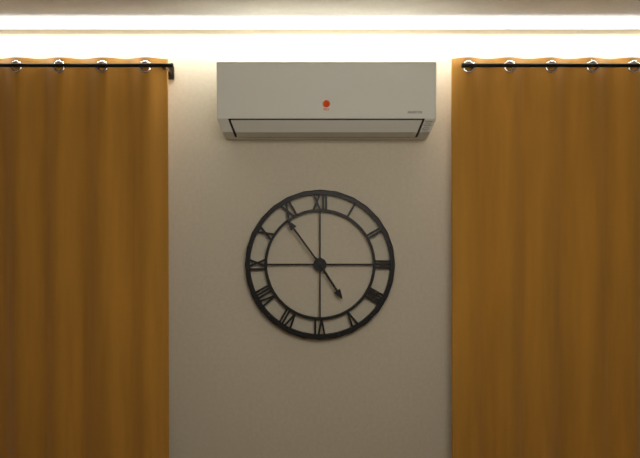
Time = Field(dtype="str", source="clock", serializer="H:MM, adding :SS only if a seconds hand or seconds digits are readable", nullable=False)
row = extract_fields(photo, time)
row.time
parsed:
4:54
